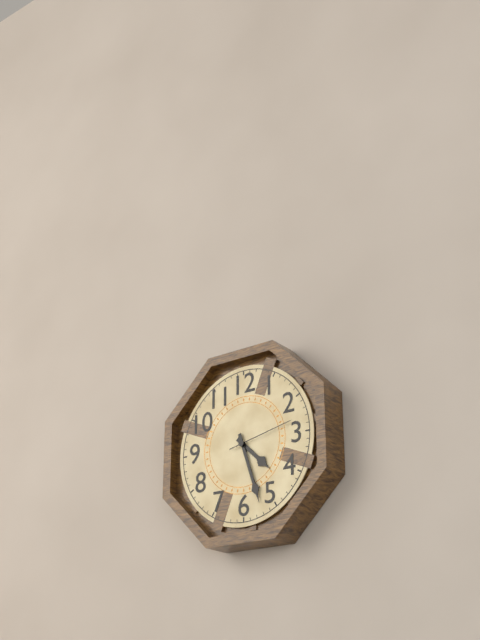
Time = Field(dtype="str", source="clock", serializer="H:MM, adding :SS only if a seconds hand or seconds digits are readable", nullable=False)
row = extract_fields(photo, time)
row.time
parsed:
4:27:13
